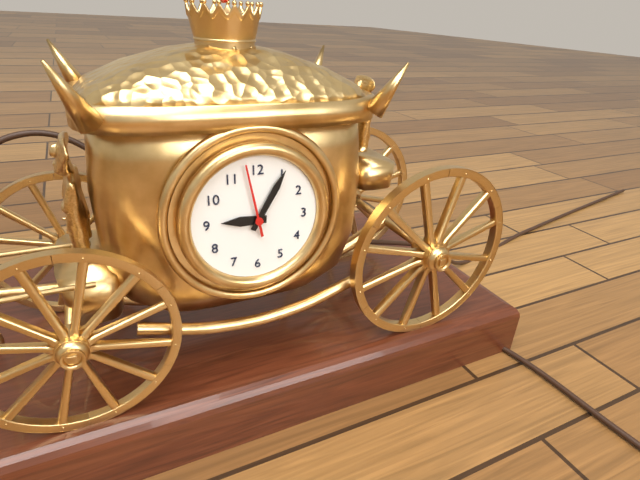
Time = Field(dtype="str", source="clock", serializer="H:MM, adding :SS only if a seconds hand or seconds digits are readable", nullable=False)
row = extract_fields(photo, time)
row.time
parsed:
9:05:58
